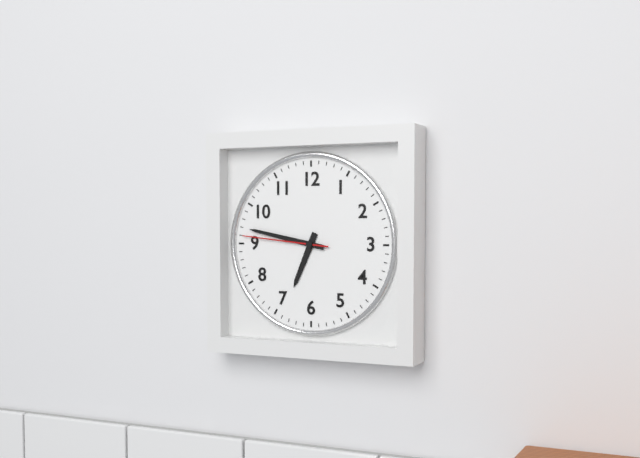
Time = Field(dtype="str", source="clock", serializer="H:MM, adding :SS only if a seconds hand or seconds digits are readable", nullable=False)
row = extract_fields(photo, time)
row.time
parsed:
6:47:46
